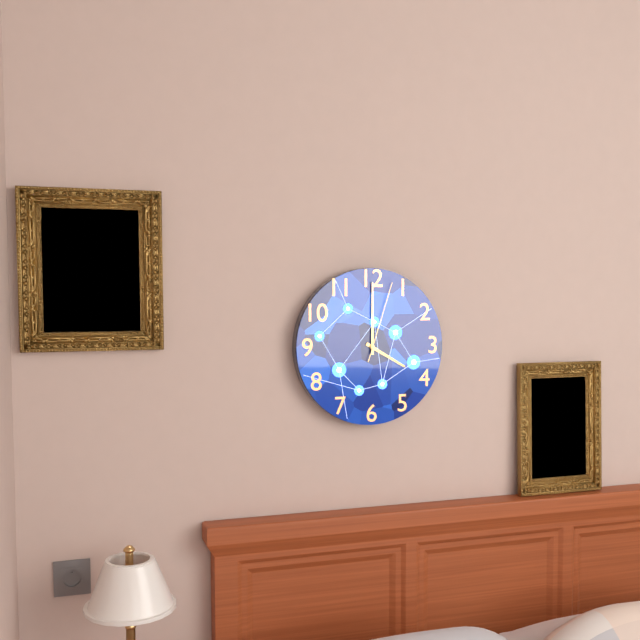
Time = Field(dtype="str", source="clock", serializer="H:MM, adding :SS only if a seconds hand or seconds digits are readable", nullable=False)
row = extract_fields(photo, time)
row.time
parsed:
4:00:03
